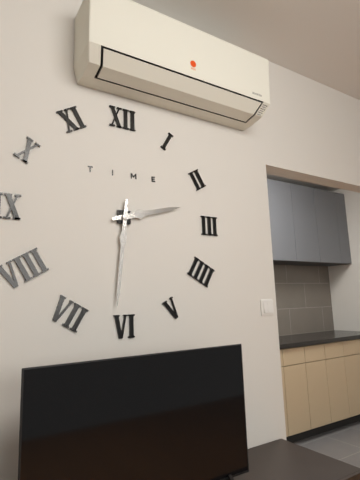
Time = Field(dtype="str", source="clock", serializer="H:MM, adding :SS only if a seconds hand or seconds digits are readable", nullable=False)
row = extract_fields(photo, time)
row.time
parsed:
2:31
